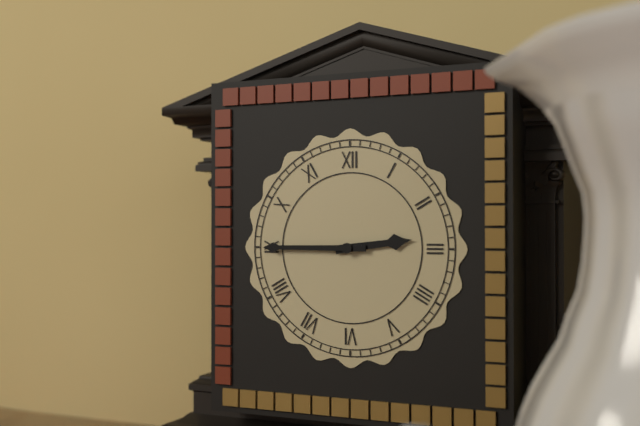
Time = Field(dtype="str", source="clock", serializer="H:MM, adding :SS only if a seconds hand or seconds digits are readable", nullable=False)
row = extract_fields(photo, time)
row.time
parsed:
2:45
